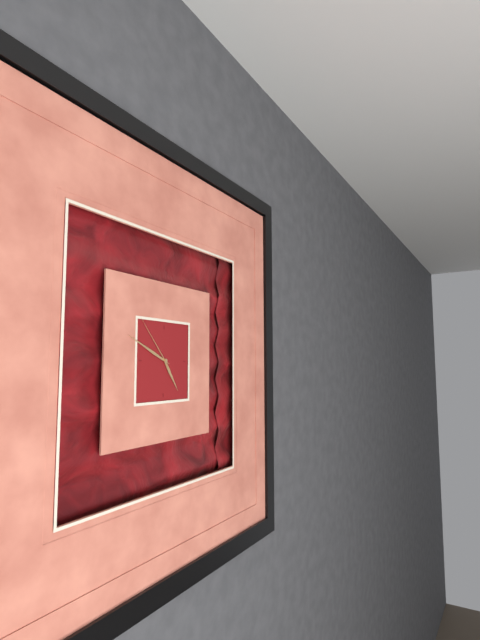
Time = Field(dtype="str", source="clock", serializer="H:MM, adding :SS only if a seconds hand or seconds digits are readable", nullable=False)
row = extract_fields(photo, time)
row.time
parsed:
4:49:53
